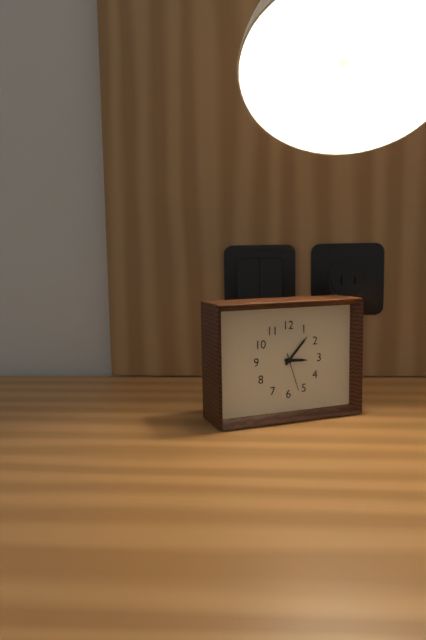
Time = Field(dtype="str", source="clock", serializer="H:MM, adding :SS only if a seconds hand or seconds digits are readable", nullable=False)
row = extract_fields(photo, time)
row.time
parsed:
3:07:27
